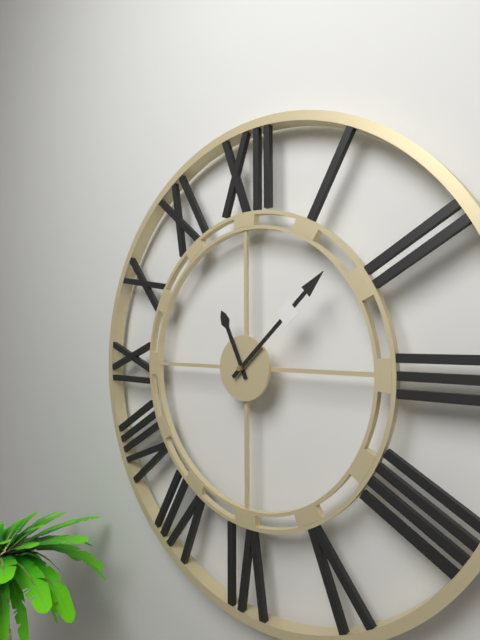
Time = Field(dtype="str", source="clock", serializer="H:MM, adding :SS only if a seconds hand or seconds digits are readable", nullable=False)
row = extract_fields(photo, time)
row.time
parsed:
11:08
